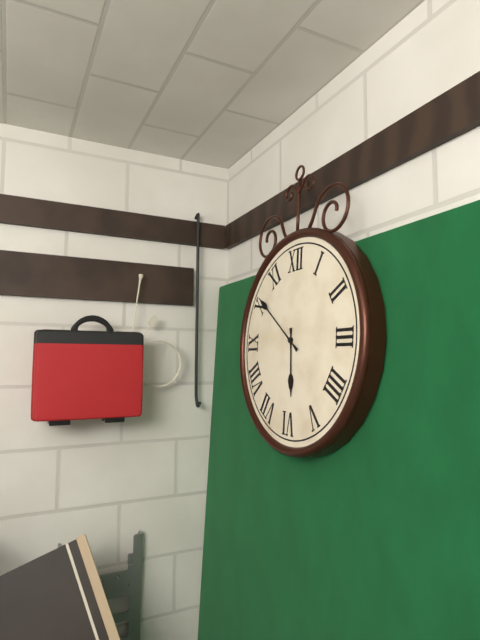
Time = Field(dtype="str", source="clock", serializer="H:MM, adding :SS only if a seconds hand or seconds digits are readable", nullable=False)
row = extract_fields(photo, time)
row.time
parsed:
5:51
